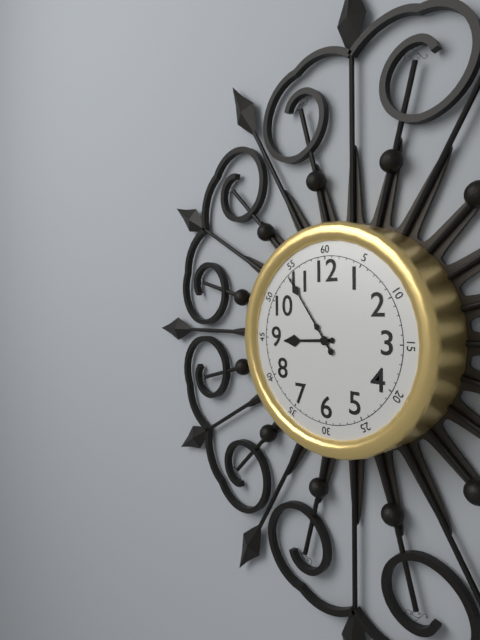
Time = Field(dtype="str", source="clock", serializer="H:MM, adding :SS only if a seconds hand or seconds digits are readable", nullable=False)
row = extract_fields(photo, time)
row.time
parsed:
8:54
